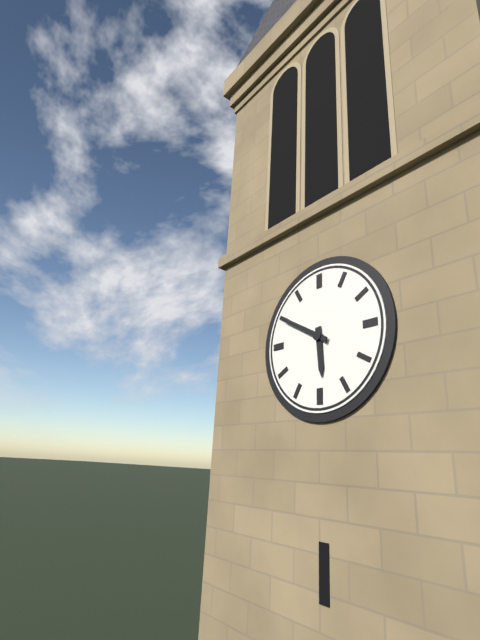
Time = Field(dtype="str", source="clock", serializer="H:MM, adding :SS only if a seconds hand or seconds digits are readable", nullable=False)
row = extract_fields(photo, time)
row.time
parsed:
5:50
